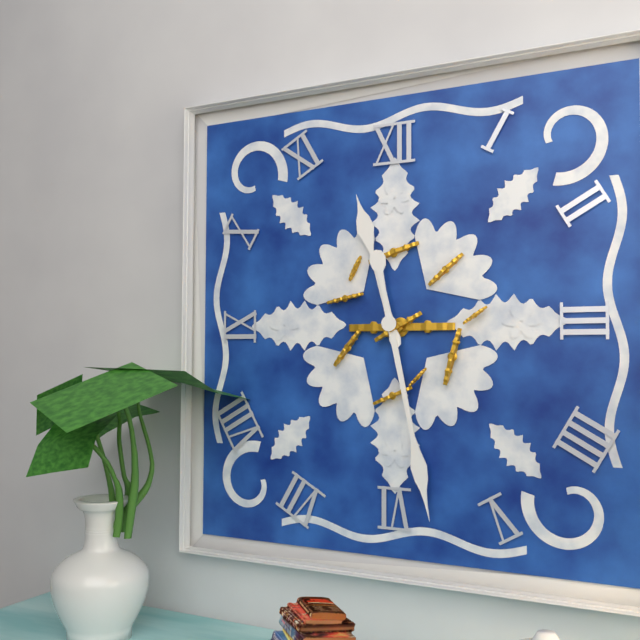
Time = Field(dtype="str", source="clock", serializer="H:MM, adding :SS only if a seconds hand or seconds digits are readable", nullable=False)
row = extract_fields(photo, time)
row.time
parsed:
11:28
